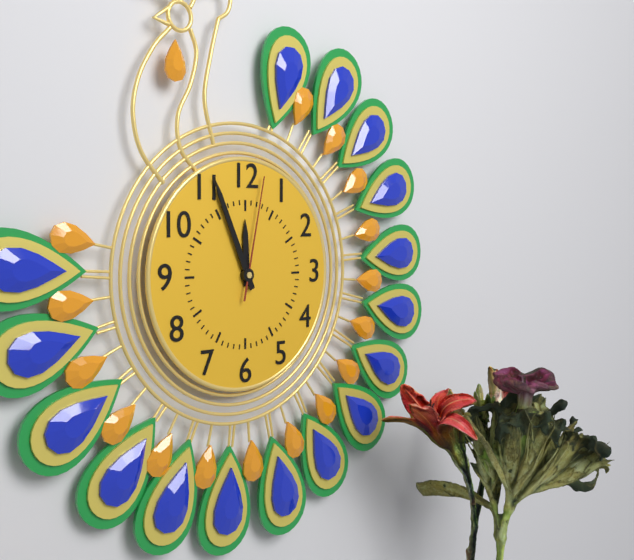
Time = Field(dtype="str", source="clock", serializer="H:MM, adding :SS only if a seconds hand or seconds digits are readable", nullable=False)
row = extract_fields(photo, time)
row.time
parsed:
11:56:02
